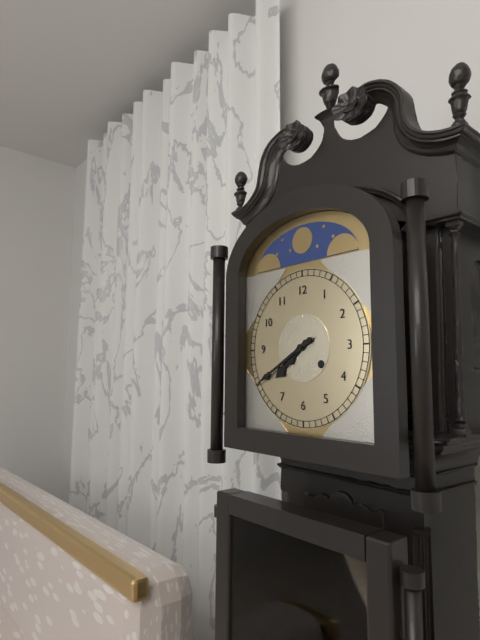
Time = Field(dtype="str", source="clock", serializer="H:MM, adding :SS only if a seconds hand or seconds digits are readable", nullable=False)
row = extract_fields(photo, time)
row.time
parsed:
7:40
